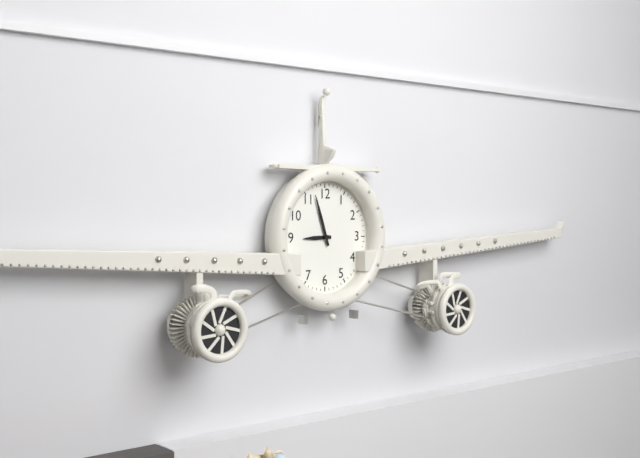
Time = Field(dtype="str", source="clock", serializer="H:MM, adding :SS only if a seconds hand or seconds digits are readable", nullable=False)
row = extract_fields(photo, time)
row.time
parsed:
8:57
